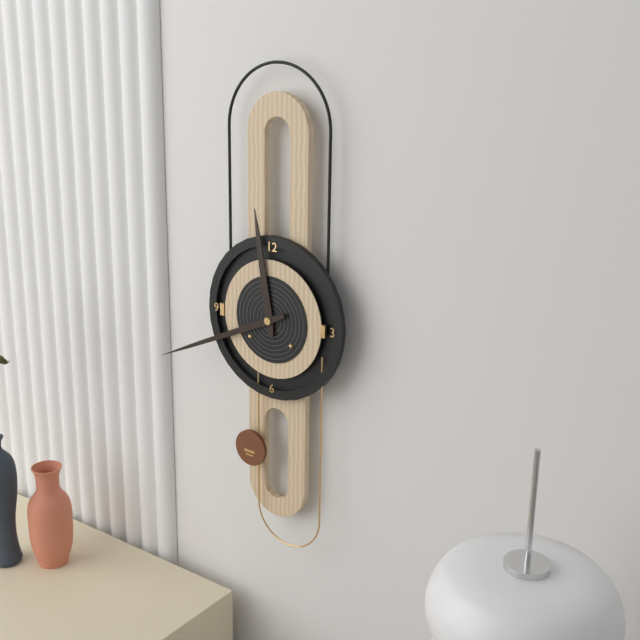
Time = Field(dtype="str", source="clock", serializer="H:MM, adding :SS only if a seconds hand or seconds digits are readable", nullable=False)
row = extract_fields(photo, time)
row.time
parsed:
11:41
